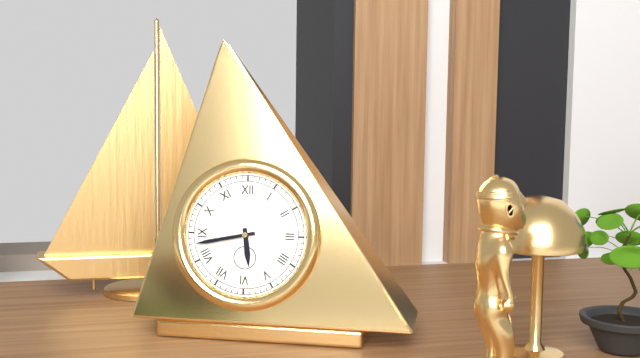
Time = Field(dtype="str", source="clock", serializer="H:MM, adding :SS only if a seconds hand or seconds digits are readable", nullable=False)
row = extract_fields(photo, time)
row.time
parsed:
5:43
